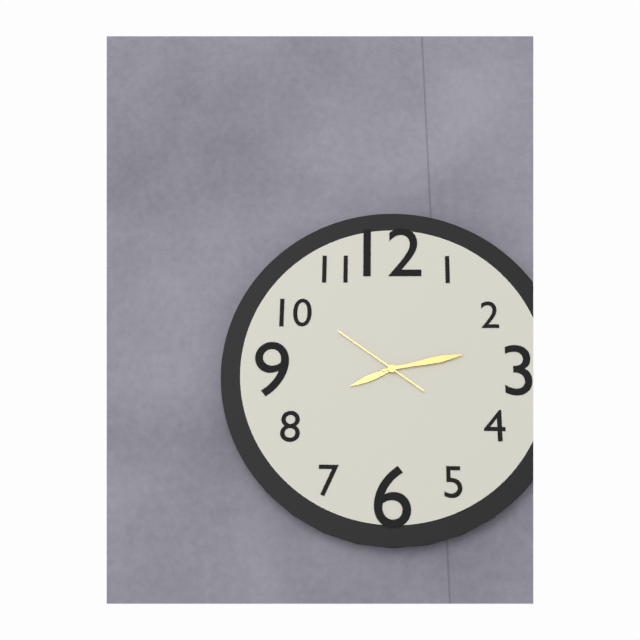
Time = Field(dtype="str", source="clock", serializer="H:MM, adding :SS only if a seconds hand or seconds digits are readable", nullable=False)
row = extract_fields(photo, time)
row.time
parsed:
8:13:51
